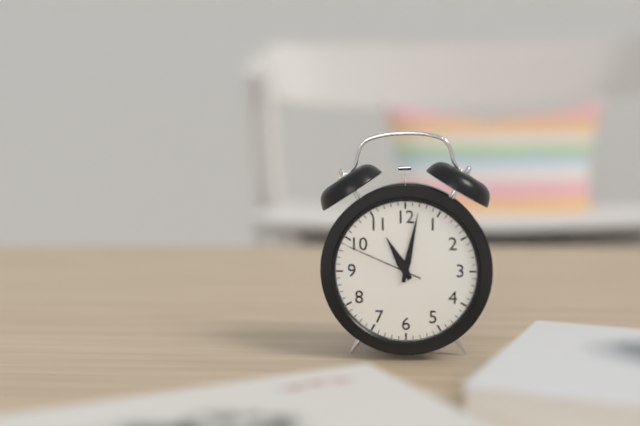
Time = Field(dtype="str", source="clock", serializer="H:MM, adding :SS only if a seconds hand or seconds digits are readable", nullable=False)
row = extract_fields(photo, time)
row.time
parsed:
11:02:49
